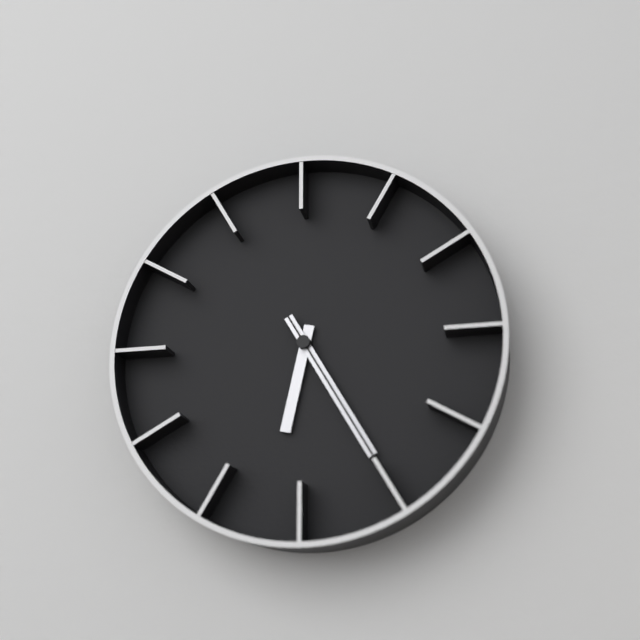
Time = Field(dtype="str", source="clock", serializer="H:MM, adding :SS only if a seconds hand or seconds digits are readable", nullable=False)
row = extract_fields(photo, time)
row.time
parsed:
6:25:25
